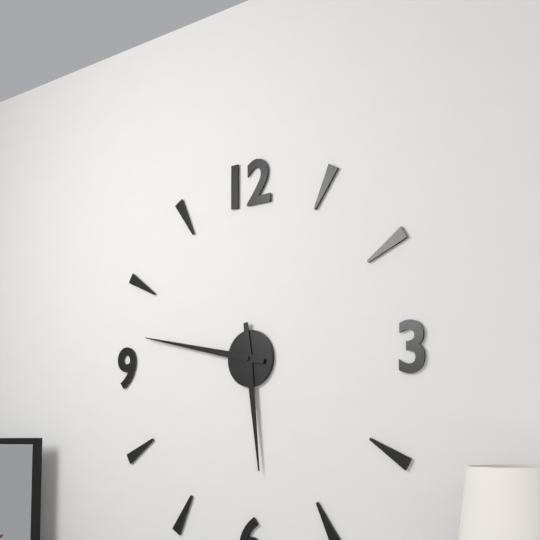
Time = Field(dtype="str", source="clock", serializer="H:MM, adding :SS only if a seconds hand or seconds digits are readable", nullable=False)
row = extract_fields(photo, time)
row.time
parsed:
5:47
